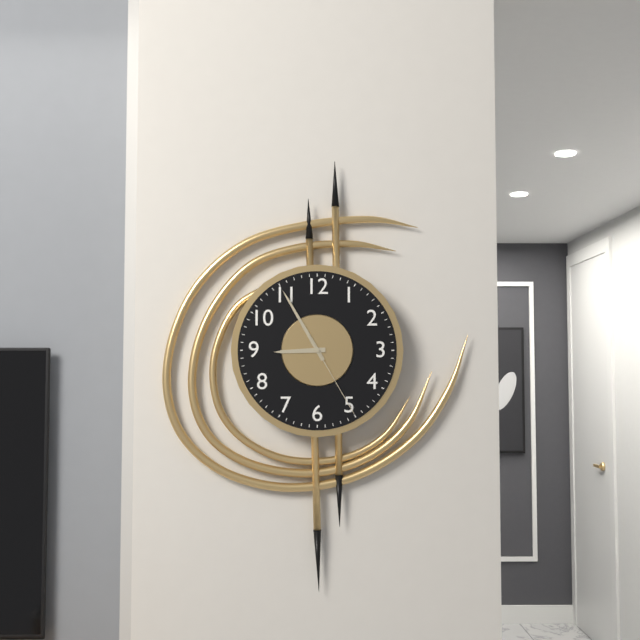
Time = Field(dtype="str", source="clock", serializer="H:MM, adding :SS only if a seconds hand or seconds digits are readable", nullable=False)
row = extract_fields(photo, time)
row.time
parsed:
8:55:25
